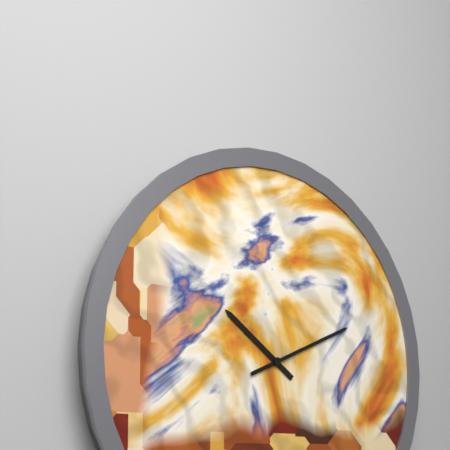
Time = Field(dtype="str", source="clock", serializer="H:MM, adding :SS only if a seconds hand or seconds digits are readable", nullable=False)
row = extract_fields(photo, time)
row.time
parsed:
10:11
